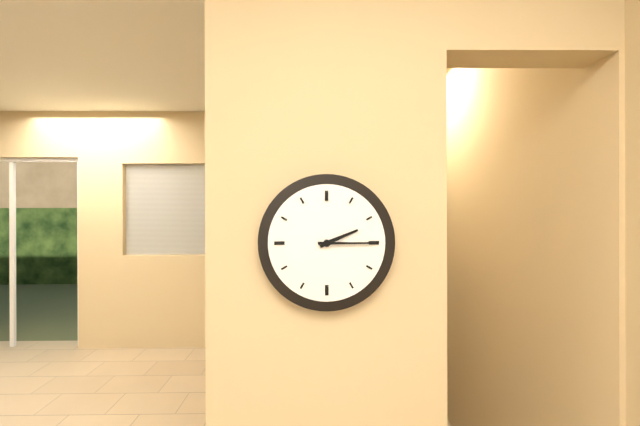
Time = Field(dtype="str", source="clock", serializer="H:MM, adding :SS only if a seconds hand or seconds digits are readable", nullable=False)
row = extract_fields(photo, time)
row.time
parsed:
2:15
